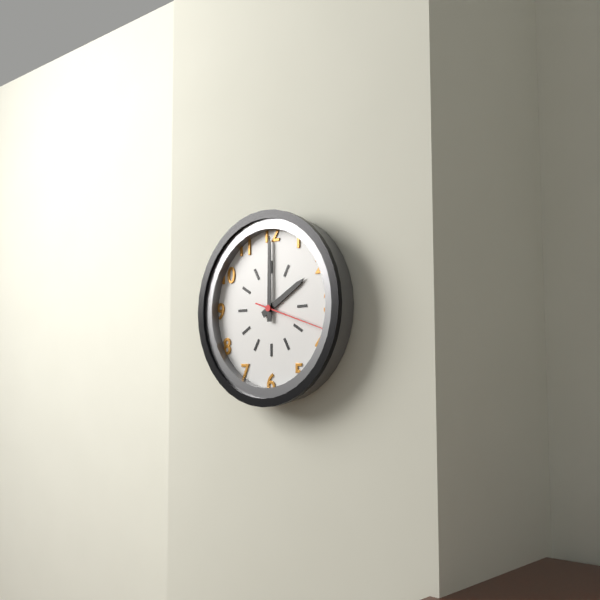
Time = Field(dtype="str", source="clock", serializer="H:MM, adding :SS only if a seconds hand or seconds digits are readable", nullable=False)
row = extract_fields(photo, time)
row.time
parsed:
2:00:18
